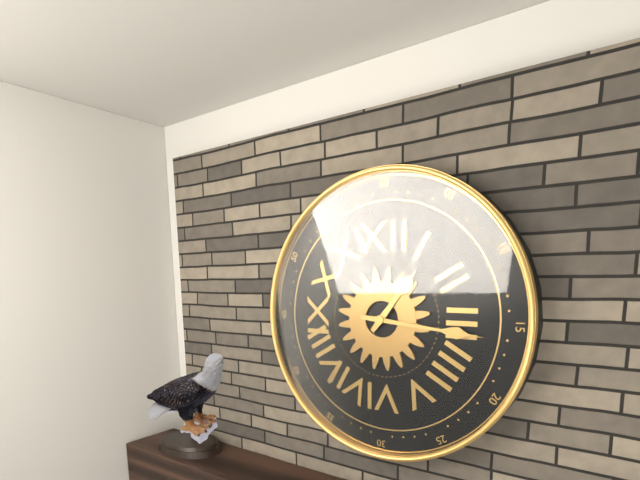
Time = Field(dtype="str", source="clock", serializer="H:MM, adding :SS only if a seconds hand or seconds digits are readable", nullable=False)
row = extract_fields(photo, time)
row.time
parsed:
1:16
